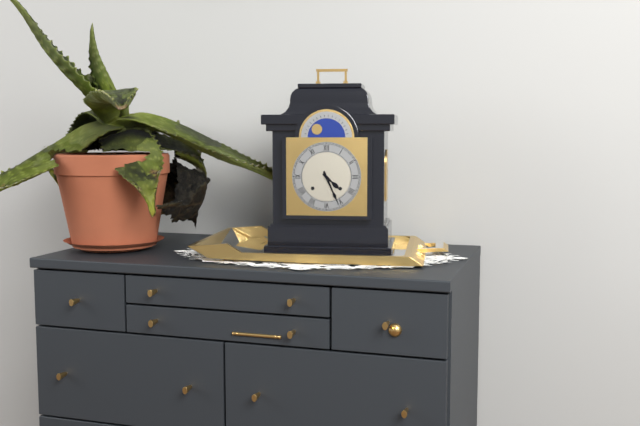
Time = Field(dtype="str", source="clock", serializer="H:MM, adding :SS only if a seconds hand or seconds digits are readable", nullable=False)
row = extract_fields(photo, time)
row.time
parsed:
4:26
